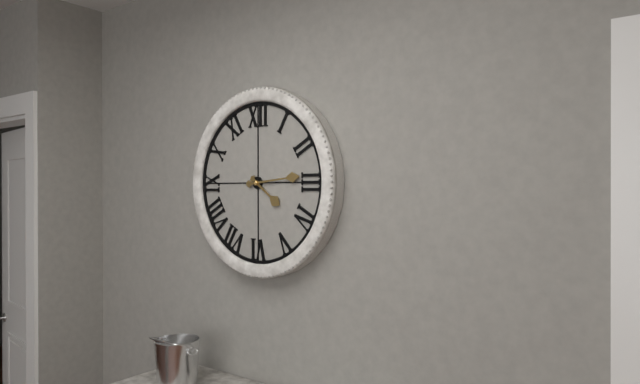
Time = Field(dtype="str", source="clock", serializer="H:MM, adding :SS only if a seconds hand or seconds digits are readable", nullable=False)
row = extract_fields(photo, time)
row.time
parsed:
4:14
